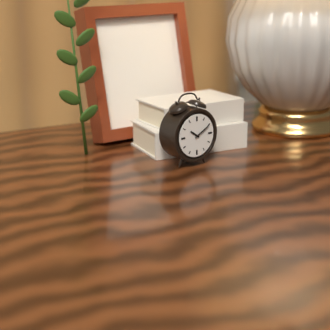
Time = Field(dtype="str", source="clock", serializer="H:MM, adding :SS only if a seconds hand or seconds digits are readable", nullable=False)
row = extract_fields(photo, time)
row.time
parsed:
10:10
